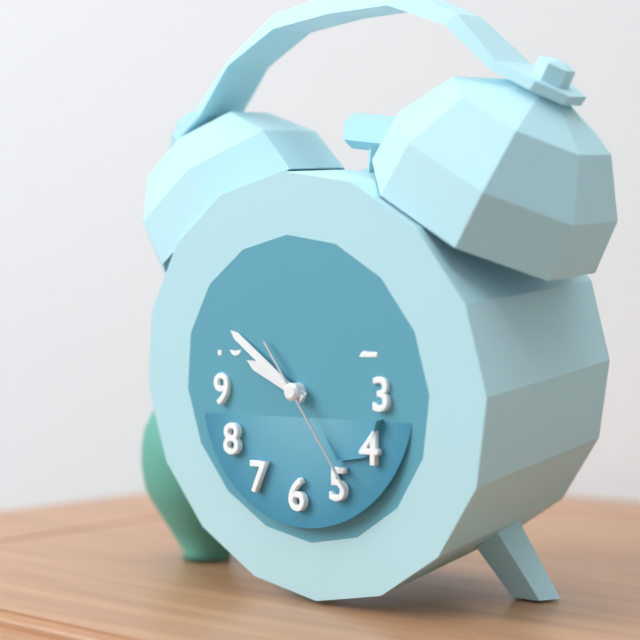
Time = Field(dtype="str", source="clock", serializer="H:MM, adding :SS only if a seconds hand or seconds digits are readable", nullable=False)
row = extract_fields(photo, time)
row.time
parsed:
9:51:24
